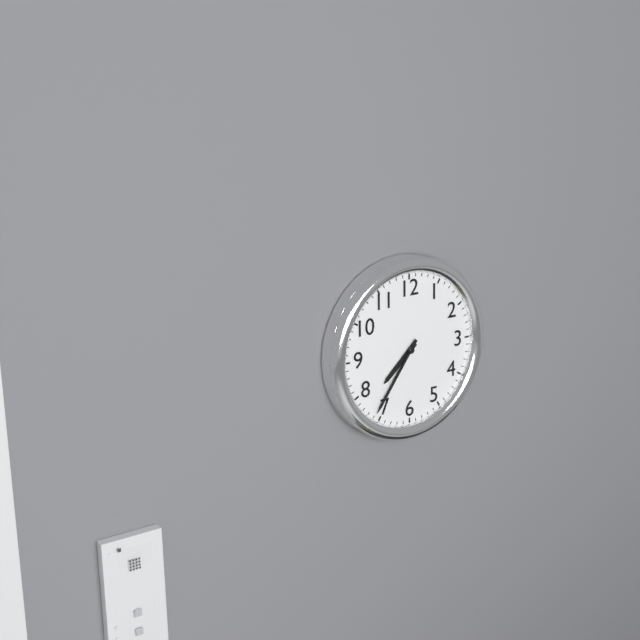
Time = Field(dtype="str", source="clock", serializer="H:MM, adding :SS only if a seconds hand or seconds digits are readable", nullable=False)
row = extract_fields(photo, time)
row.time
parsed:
7:36
